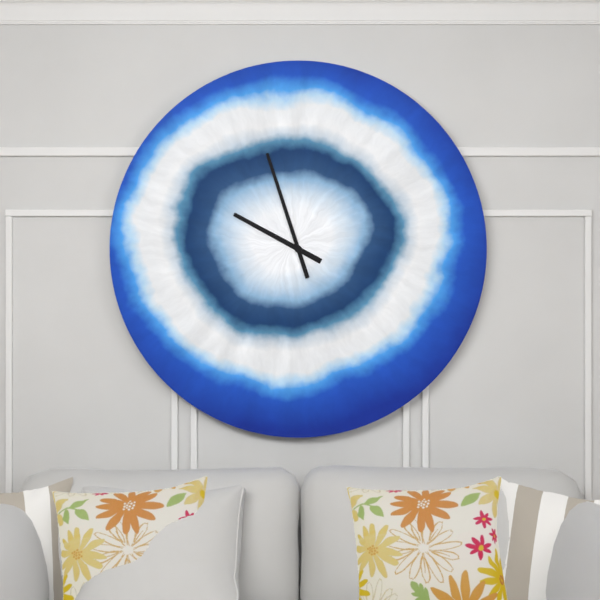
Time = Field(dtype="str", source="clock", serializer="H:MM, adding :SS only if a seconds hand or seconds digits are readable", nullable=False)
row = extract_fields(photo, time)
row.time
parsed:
9:57
